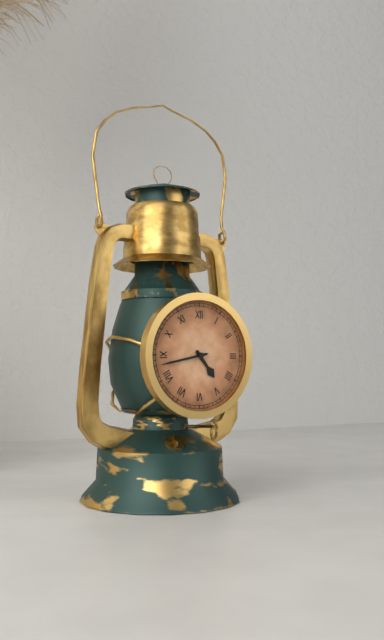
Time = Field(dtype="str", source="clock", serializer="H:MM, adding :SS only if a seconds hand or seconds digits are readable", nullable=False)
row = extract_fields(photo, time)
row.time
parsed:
4:43
